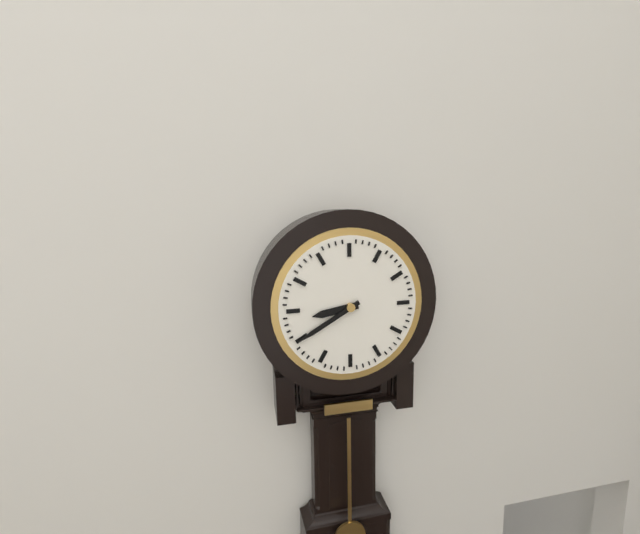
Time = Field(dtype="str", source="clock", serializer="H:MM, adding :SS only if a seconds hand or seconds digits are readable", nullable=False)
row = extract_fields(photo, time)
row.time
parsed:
8:40
